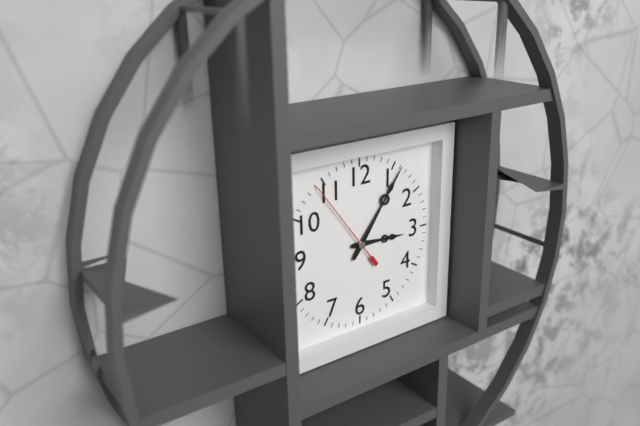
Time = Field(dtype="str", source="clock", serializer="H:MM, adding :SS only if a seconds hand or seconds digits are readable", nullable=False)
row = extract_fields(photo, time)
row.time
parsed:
3:06:54
